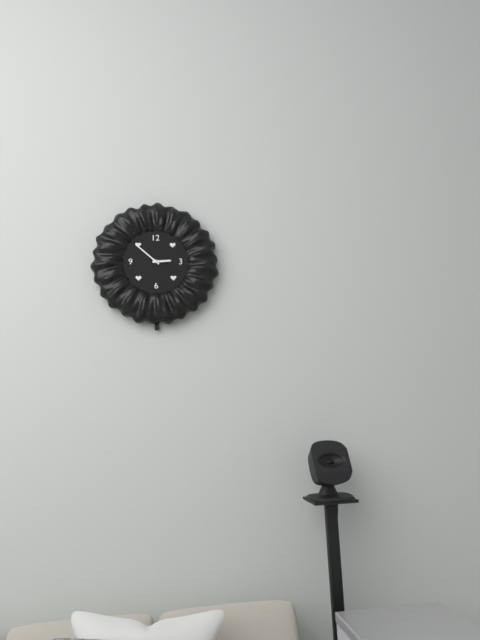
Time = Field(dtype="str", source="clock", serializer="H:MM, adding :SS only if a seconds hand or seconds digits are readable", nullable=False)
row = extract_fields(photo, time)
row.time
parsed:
2:52
